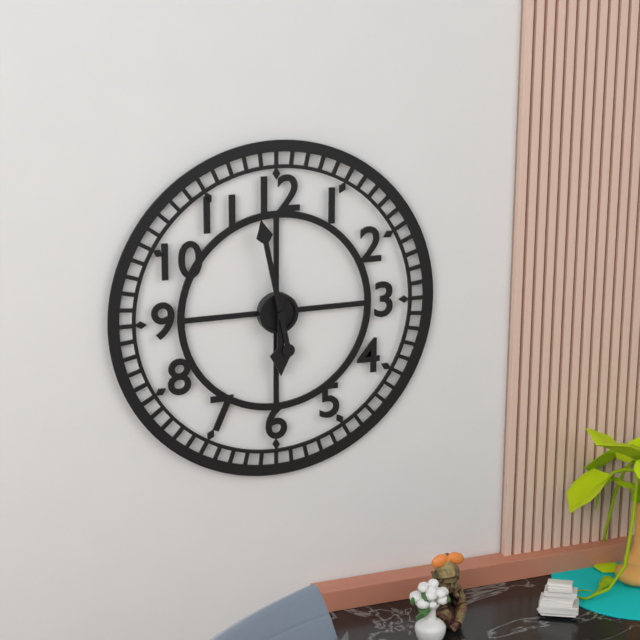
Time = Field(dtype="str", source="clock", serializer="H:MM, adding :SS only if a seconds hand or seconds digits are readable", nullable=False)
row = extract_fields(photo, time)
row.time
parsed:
5:58
